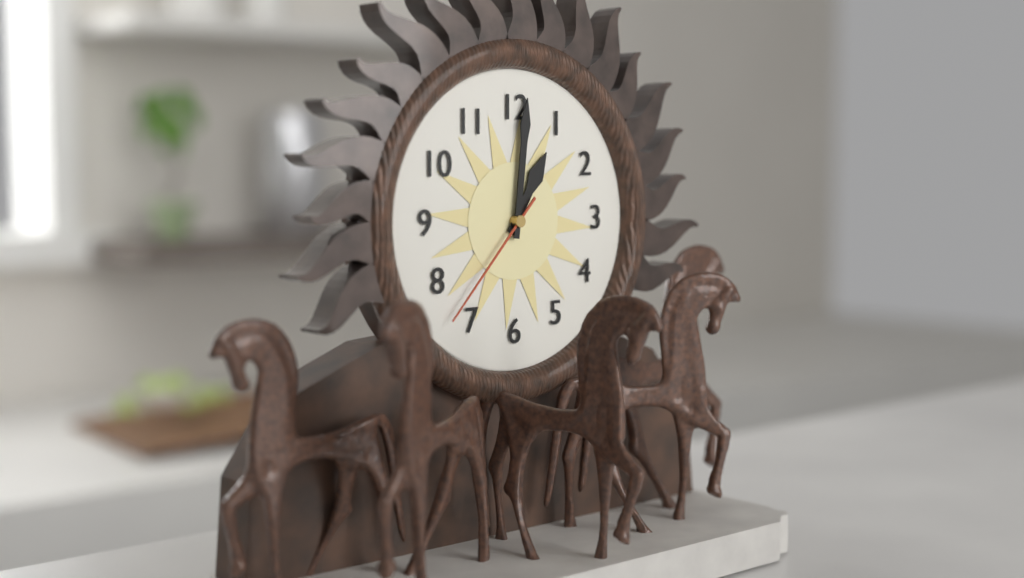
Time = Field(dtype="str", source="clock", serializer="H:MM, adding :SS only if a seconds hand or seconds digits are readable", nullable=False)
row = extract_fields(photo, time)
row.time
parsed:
1:01:37
